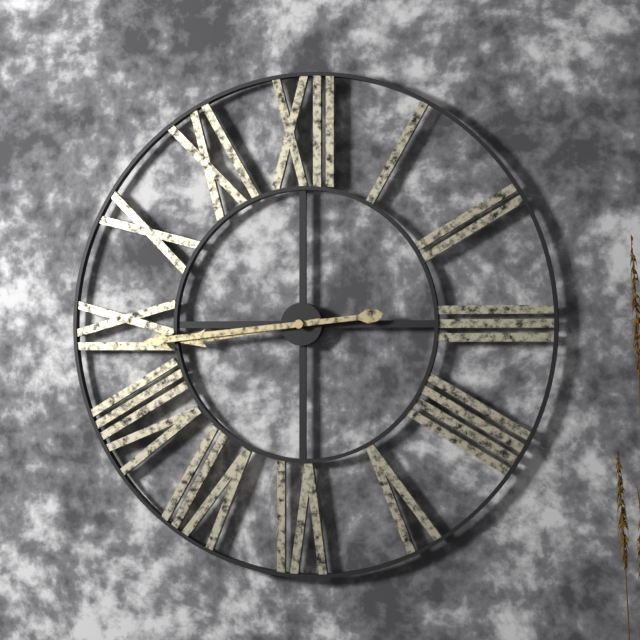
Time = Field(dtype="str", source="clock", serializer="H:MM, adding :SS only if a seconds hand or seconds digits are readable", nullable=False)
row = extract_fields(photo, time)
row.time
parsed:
8:44
